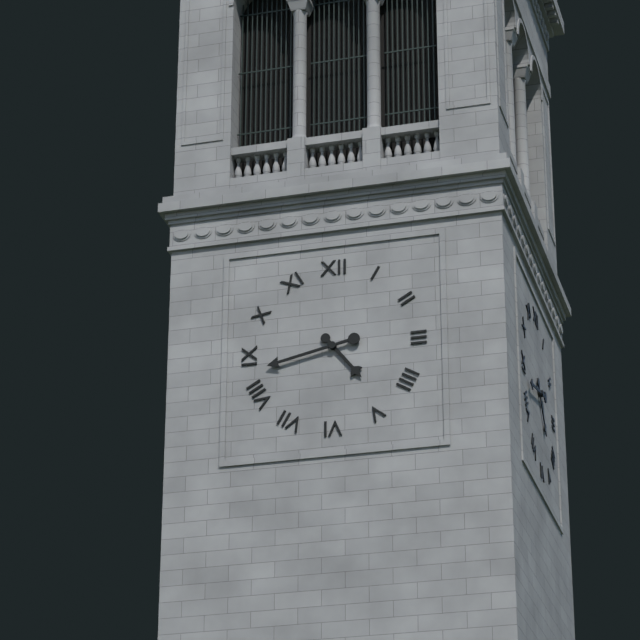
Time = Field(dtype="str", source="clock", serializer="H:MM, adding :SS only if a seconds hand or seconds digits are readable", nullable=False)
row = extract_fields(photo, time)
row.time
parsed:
4:43
